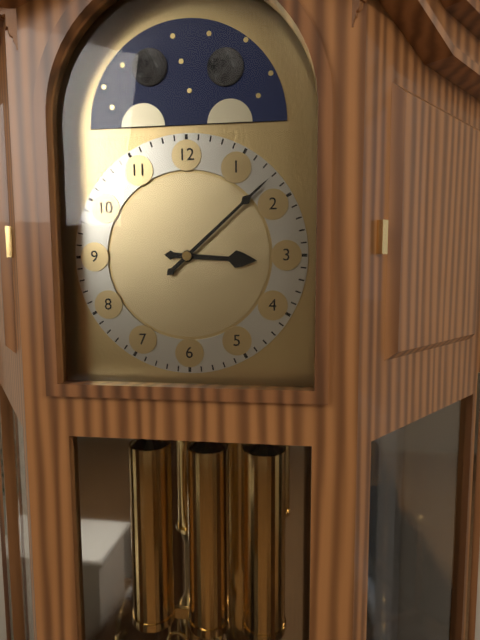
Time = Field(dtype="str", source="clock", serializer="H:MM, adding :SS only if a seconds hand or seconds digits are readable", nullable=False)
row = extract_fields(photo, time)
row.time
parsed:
3:08
